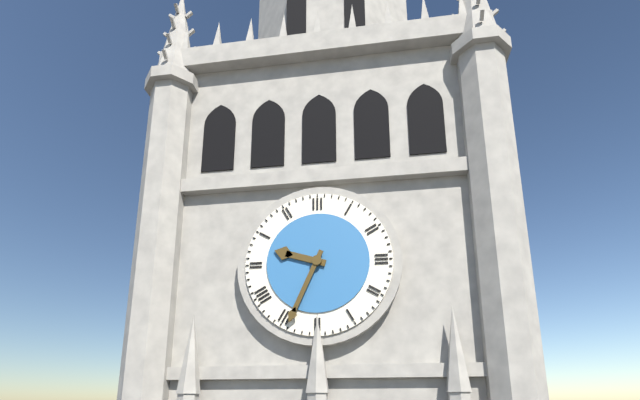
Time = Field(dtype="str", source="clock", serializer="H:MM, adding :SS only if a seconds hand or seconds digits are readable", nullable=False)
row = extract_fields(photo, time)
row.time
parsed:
9:34
